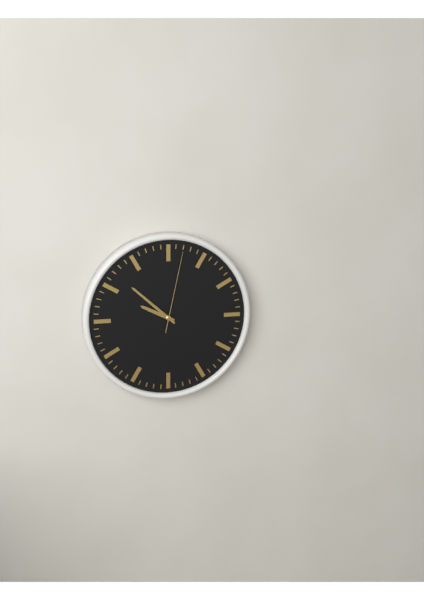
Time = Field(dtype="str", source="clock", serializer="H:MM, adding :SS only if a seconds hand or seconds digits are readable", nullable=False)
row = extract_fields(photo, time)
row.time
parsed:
9:52:02
